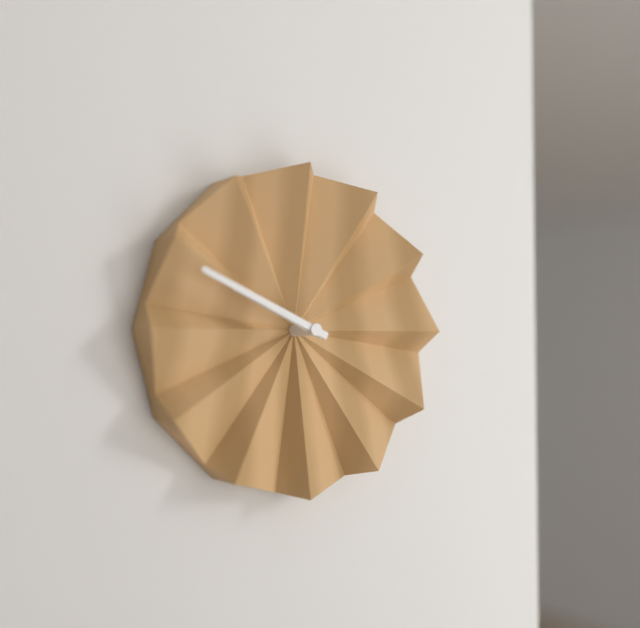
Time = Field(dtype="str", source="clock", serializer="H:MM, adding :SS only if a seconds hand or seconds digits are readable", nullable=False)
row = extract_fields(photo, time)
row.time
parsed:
9:49
